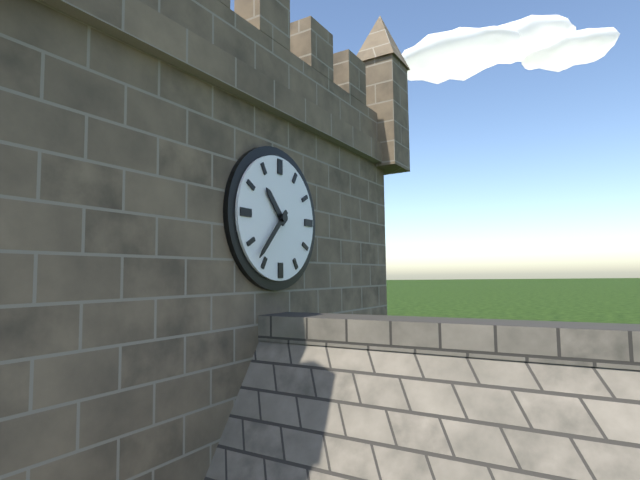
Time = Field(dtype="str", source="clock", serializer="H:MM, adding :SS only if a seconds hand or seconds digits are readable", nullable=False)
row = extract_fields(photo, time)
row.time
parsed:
10:37
